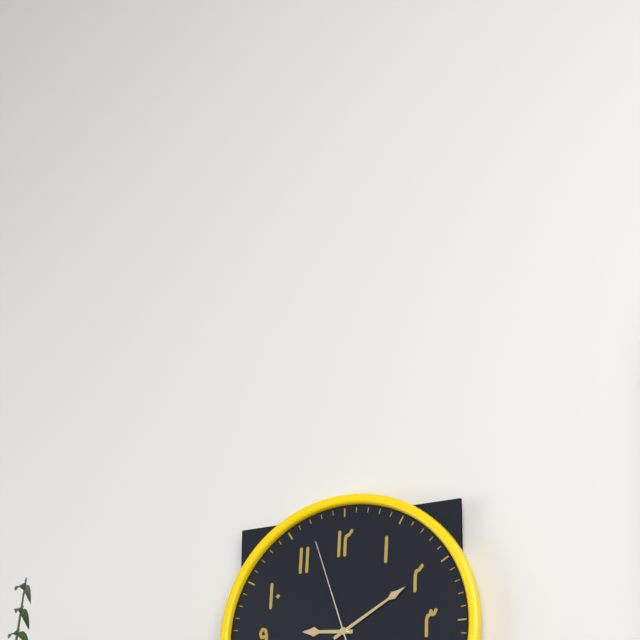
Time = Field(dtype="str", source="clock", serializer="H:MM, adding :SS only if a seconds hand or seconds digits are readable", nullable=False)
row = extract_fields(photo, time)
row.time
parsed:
9:10:57
